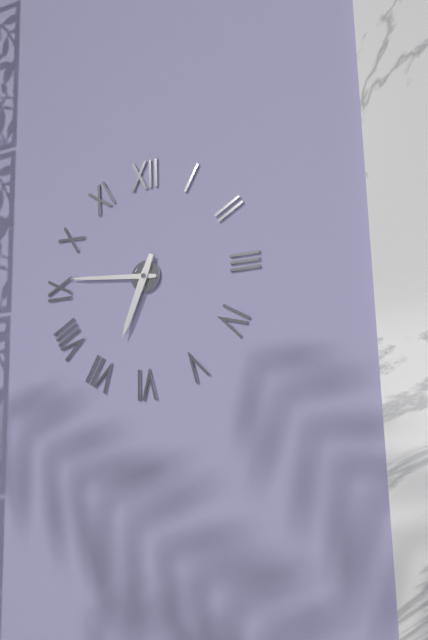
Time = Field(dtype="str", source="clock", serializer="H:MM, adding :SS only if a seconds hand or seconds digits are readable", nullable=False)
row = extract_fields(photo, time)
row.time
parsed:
6:46
